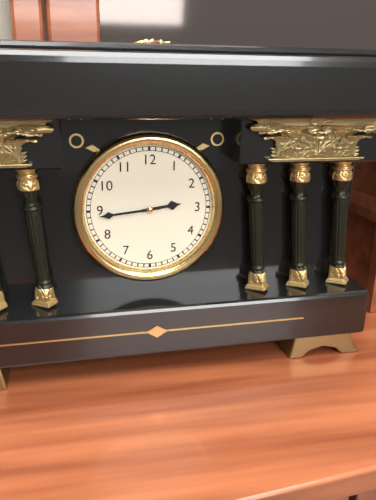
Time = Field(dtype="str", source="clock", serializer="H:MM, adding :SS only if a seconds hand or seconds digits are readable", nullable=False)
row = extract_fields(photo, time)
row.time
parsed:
2:44
